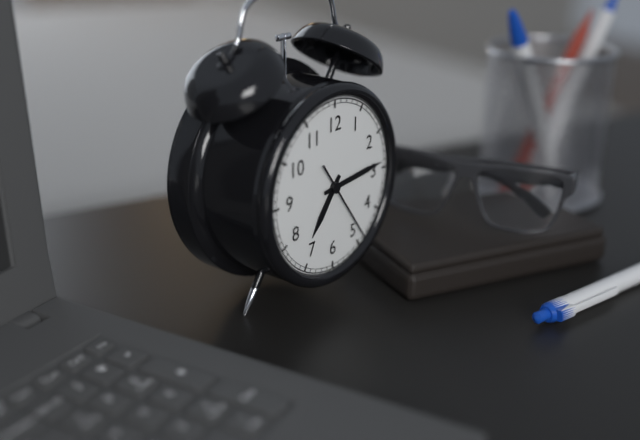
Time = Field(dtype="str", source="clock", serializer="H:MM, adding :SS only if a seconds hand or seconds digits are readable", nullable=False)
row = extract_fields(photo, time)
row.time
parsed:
7:14:24
